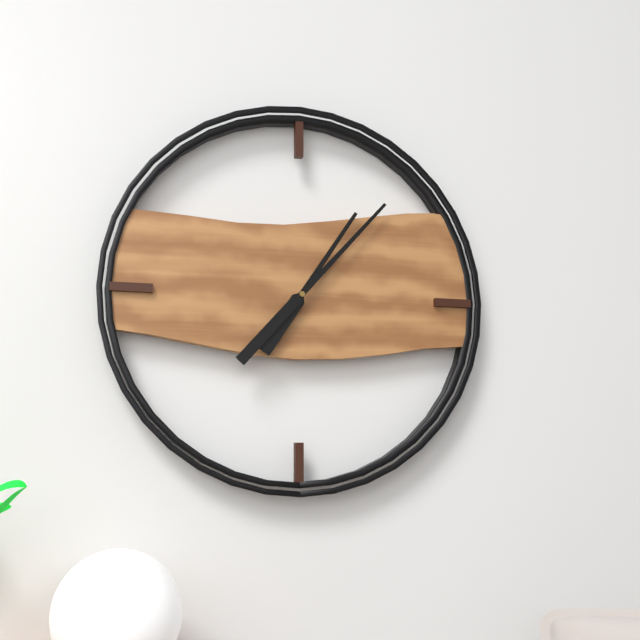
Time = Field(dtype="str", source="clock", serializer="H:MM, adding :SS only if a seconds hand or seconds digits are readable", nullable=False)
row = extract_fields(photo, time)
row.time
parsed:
1:07
